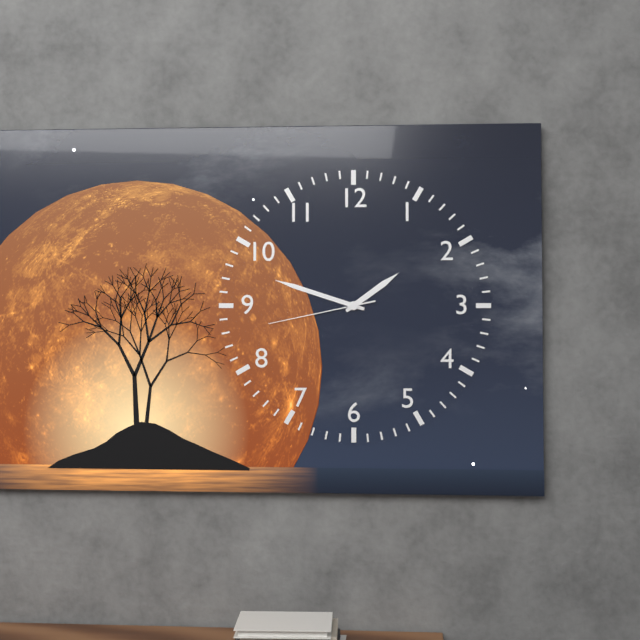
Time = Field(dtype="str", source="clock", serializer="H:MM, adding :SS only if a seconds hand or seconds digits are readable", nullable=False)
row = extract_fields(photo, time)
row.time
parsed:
1:48:43
